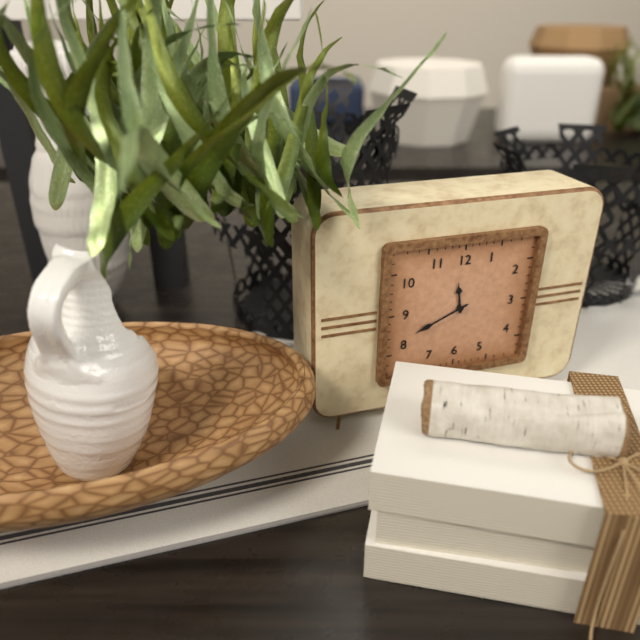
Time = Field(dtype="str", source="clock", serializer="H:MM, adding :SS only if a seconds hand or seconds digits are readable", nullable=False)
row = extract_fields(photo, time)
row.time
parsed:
11:41
